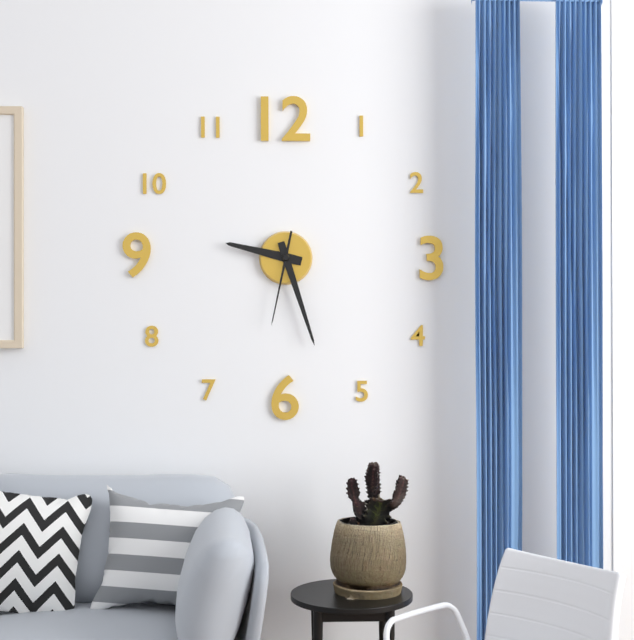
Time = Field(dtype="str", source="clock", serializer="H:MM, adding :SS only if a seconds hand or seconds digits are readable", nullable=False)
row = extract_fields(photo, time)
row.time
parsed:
9:27:32
